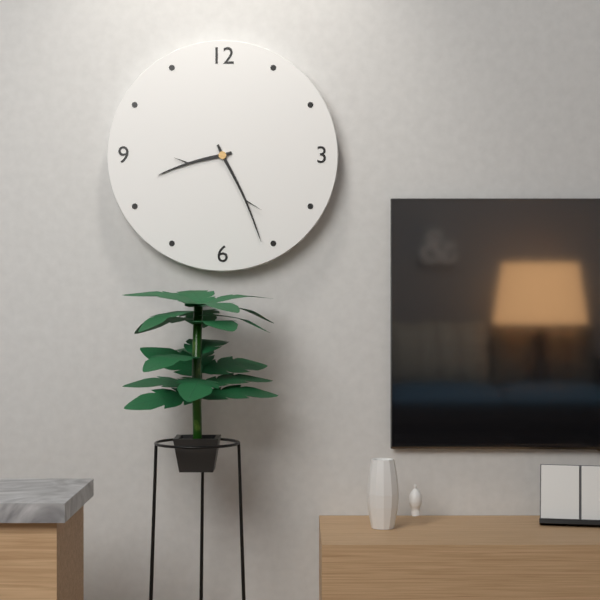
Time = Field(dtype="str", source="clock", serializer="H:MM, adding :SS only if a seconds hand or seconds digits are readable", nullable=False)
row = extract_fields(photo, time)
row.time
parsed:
8:26
